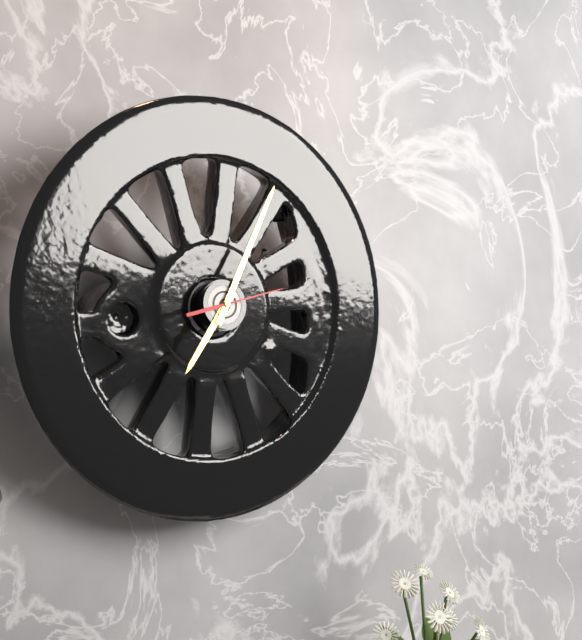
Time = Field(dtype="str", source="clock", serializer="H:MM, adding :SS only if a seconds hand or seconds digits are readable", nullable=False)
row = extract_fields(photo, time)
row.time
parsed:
7:04:12
